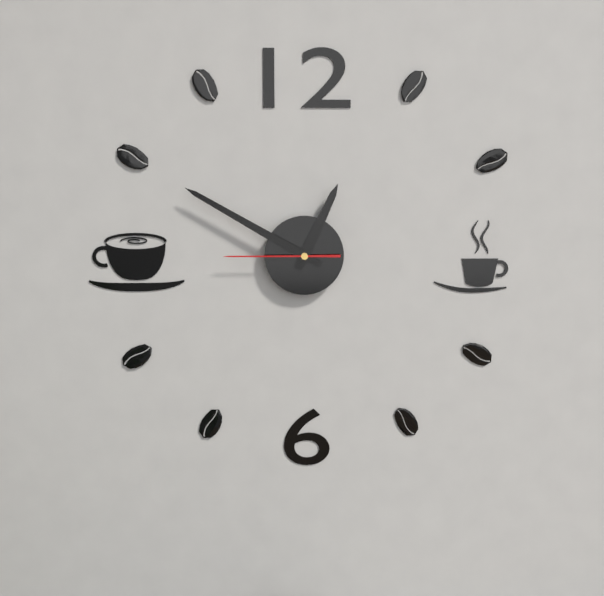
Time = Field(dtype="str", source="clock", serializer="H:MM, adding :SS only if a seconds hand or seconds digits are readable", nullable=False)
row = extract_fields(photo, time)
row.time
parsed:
12:50:45
